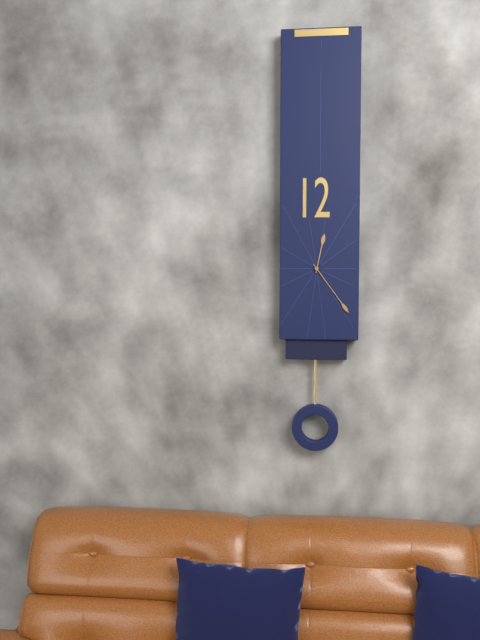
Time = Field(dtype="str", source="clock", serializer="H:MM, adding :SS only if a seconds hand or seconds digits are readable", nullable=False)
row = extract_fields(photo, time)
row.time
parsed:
12:24
